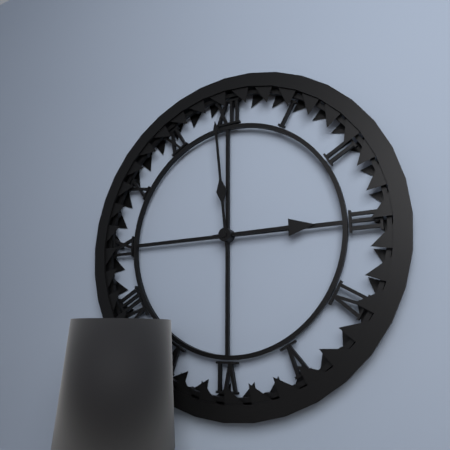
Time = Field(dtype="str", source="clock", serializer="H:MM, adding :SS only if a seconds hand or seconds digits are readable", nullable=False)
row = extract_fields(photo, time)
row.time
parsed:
2:59
